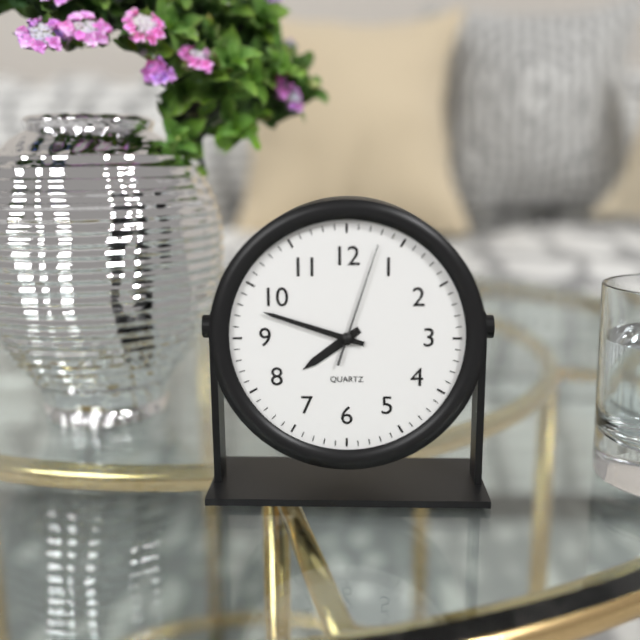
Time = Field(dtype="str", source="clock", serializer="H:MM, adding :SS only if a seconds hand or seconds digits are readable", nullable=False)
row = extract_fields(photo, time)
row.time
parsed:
7:48:03
